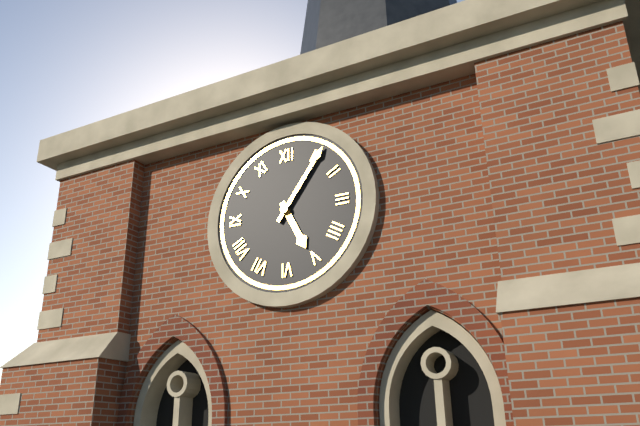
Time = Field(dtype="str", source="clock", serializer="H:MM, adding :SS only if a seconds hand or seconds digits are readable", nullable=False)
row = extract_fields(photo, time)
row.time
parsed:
5:06
